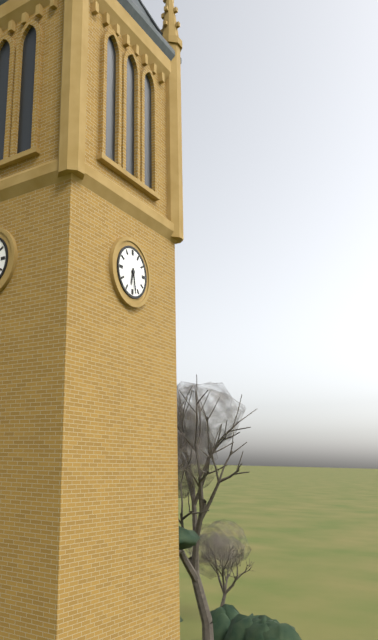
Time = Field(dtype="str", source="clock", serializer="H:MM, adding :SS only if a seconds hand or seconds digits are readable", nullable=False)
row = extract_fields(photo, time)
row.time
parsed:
6:28
